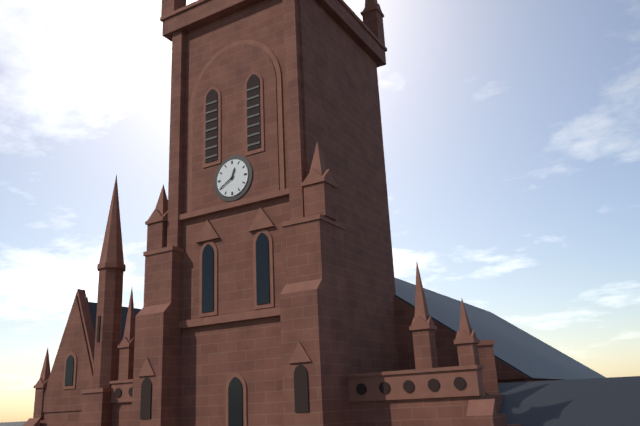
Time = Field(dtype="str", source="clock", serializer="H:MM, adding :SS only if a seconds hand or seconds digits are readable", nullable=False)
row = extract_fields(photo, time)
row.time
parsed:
12:40
